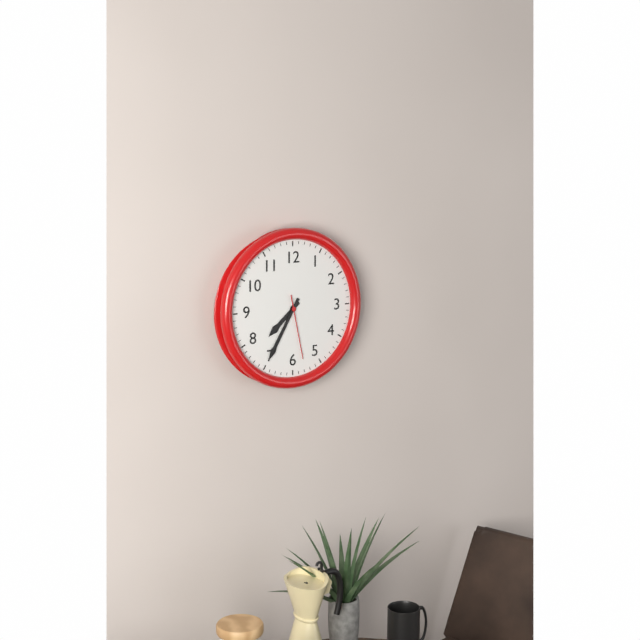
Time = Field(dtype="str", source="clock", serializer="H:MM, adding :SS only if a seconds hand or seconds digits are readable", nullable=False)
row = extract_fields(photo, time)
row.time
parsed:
7:35:28
